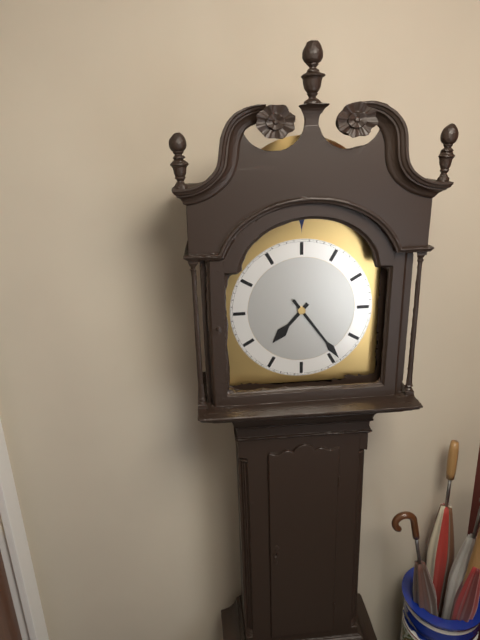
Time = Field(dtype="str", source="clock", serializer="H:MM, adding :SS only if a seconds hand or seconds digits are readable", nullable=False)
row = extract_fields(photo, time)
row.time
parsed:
7:24
